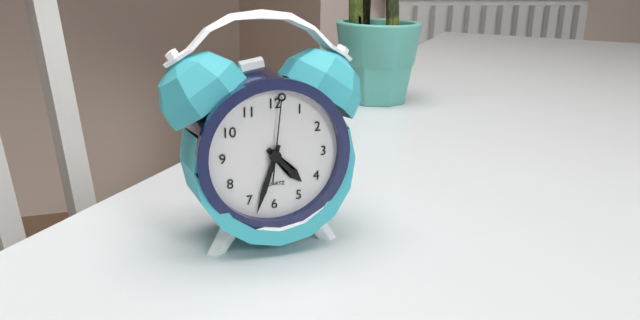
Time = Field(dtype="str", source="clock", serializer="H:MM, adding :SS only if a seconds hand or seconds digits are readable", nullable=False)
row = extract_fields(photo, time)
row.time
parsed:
4:33:01
